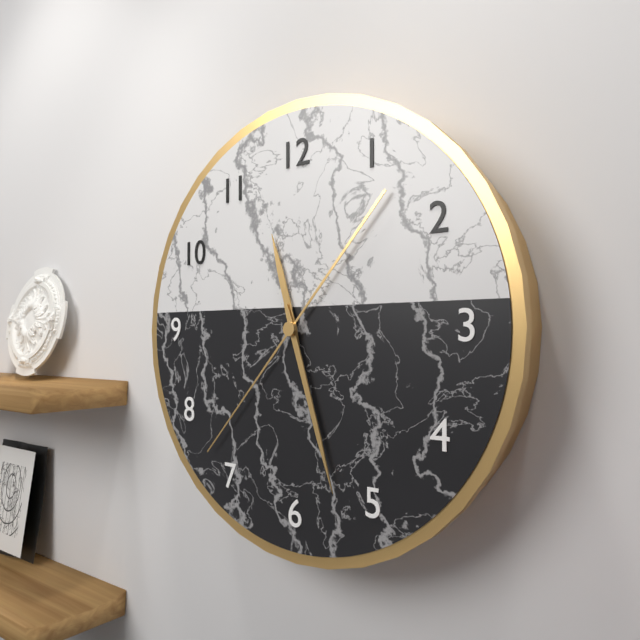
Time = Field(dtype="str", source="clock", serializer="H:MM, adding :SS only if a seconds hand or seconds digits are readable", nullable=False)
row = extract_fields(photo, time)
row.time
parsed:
11:27:37
